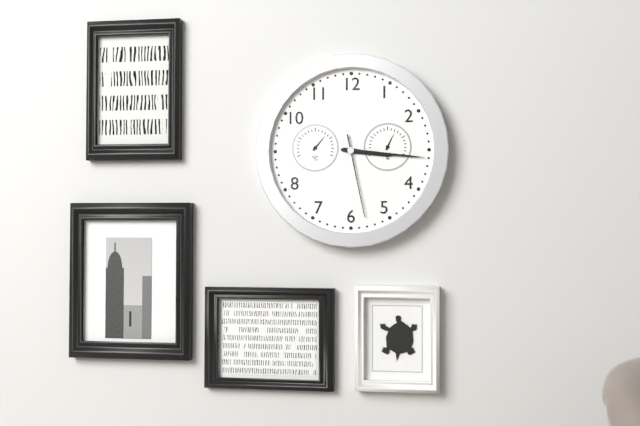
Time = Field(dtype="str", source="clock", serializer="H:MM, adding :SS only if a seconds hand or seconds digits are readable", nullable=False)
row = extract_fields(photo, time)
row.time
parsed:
3:16:28
